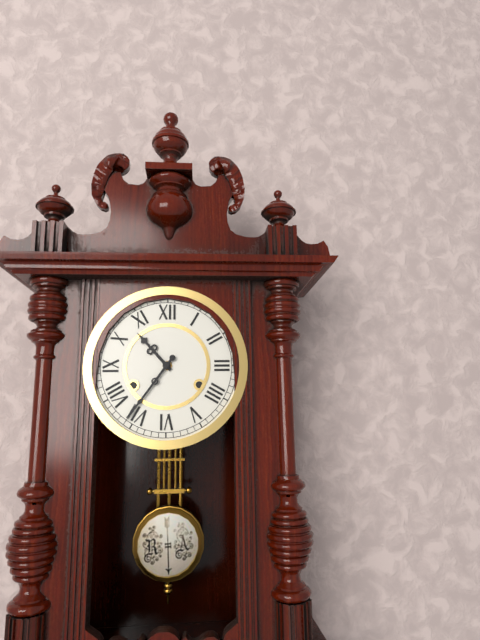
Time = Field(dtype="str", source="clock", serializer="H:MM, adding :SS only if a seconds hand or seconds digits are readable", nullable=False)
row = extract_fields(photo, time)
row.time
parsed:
10:36
